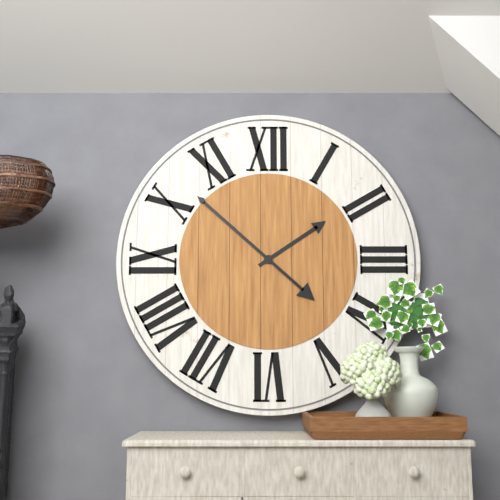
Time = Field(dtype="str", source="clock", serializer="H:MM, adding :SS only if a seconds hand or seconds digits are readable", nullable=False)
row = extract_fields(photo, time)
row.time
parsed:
1:52
